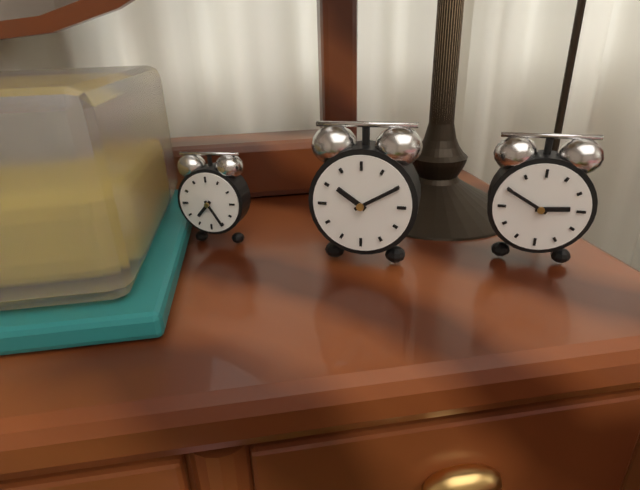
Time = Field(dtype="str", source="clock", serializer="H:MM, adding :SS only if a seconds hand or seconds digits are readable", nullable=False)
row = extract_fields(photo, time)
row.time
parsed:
10:10
